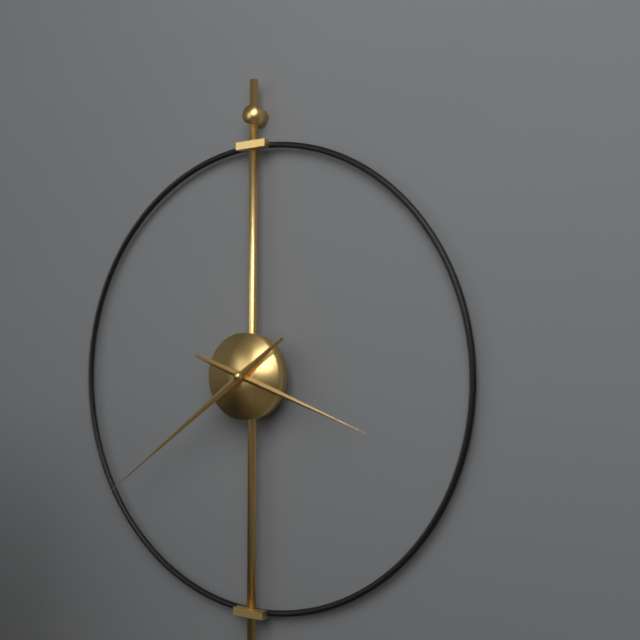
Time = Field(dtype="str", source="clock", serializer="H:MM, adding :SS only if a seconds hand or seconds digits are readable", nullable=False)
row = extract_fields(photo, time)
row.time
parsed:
3:39
